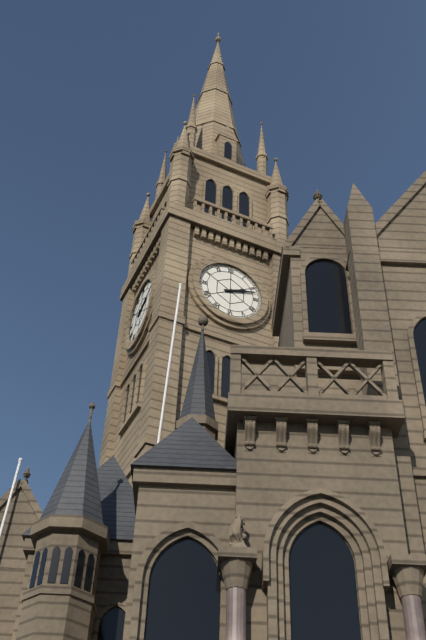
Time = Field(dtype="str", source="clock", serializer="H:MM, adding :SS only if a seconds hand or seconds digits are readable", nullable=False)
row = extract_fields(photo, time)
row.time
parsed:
2:12
